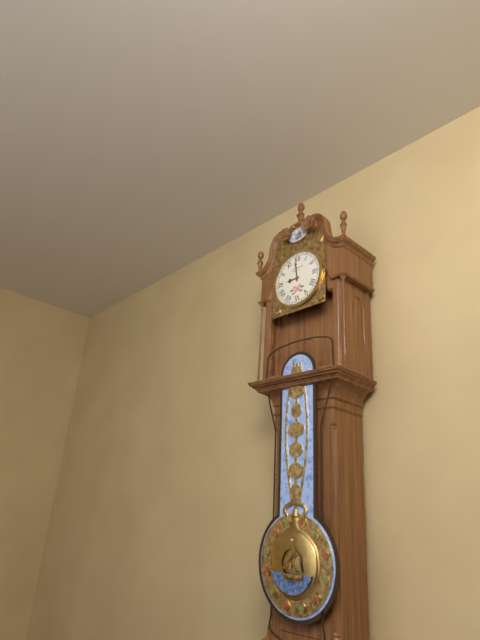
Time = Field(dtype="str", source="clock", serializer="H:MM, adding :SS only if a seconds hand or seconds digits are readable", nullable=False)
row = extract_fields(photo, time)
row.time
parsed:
8:59
